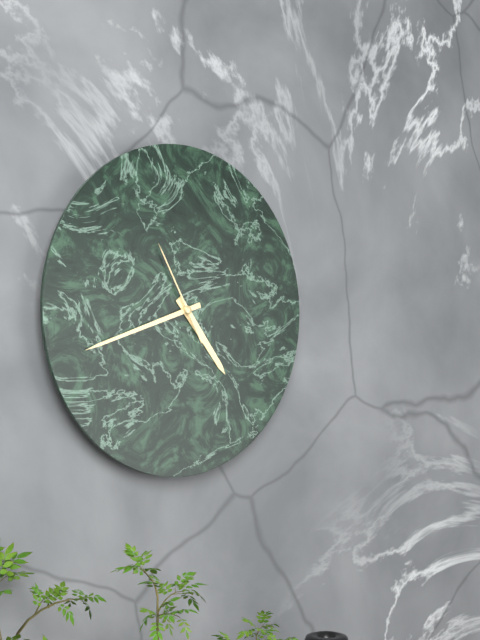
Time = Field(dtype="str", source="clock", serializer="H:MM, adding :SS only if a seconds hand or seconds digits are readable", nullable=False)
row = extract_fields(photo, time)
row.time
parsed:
4:42:55
